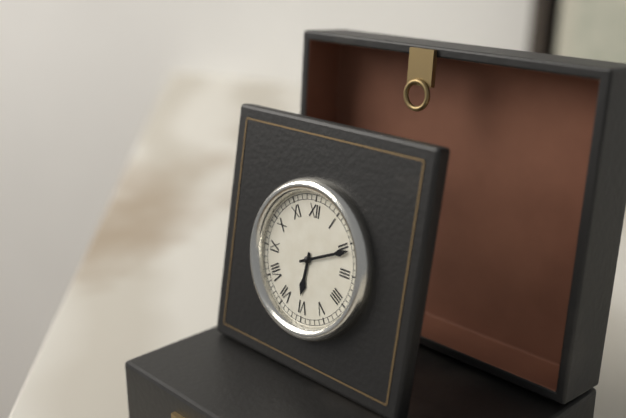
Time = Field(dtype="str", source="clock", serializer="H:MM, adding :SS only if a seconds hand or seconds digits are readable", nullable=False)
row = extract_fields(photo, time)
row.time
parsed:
6:11
